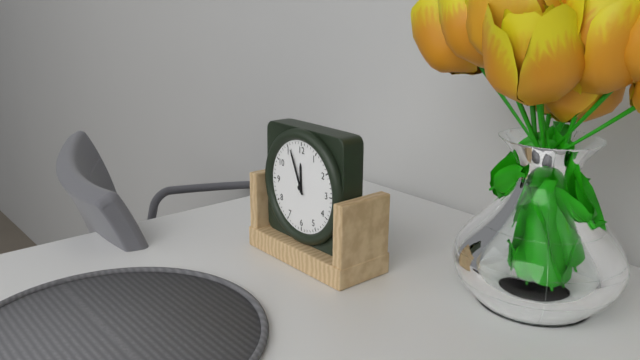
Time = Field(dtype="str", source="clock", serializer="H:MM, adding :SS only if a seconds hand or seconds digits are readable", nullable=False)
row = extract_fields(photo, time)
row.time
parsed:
11:56
